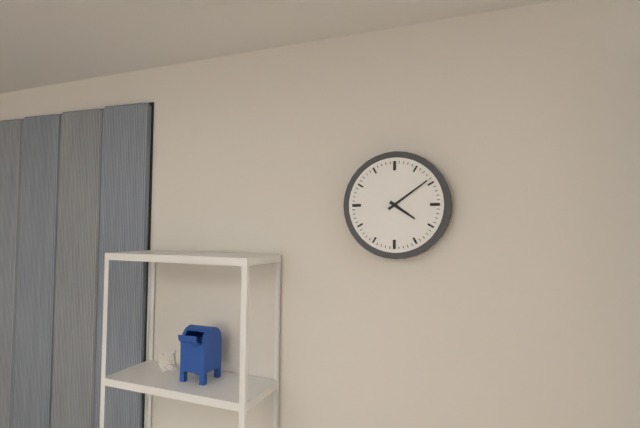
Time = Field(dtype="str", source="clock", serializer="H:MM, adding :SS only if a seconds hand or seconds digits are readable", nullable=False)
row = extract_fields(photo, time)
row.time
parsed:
4:09
